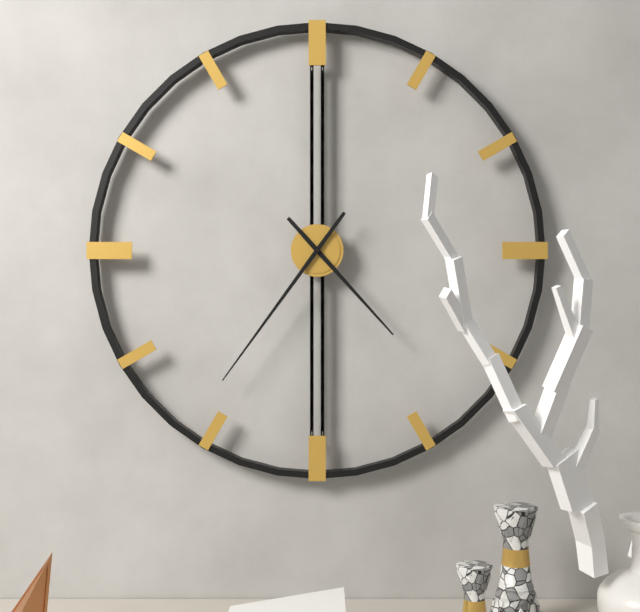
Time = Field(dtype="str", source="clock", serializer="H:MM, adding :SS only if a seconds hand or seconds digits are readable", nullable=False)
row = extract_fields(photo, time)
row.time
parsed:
4:36
